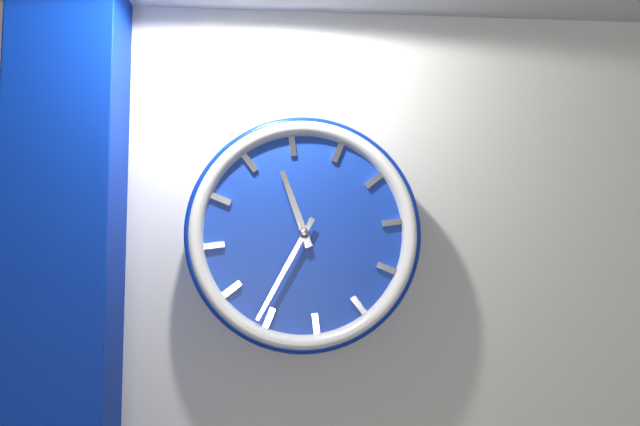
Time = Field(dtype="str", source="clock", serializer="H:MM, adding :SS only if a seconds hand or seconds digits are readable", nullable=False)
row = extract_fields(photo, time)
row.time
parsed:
11:36
